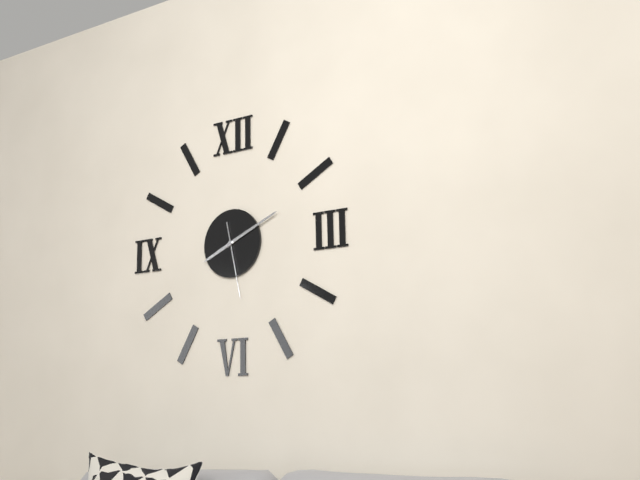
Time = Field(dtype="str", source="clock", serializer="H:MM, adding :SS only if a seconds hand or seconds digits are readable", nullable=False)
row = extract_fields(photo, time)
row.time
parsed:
8:11:28
